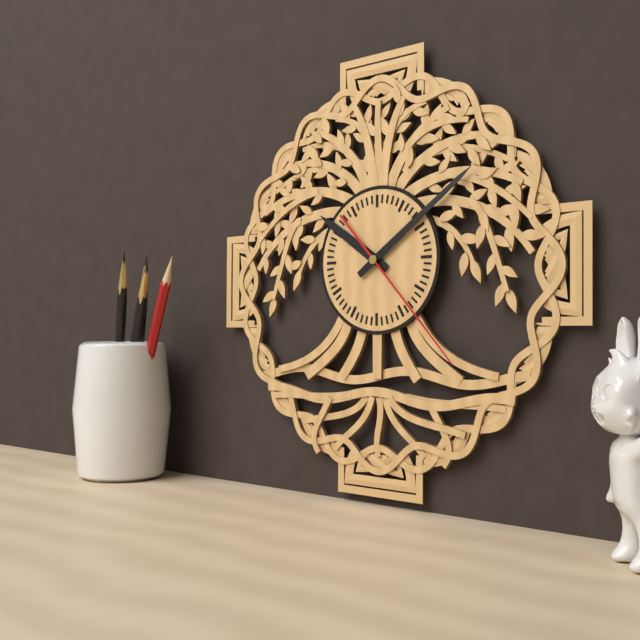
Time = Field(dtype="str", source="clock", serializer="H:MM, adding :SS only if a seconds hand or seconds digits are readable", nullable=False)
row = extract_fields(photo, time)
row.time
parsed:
10:09:23
